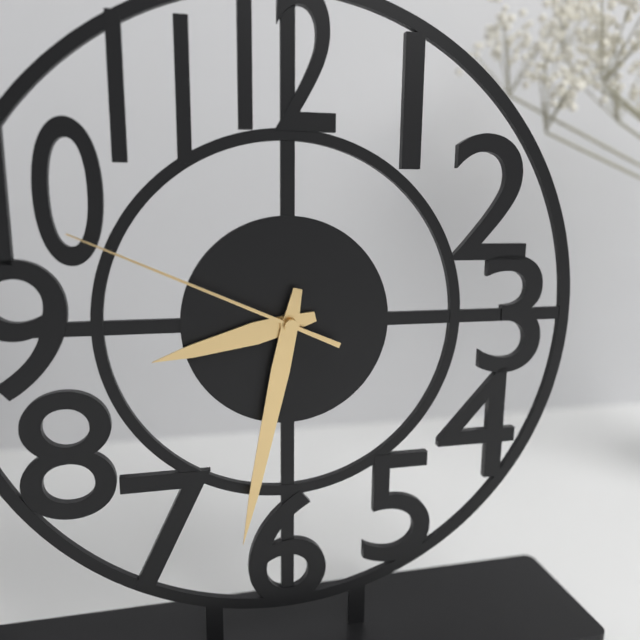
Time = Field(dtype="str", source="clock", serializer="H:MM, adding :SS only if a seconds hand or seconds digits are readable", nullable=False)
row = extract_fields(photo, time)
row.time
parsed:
8:32:49
